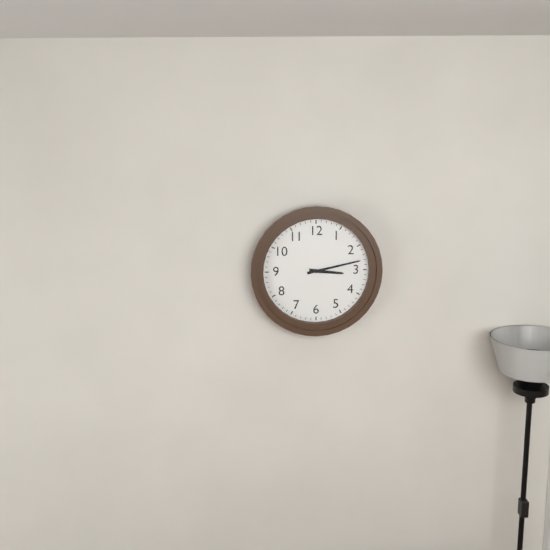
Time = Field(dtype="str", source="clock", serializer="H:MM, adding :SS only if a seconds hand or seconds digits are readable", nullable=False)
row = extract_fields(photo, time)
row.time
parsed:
3:13
